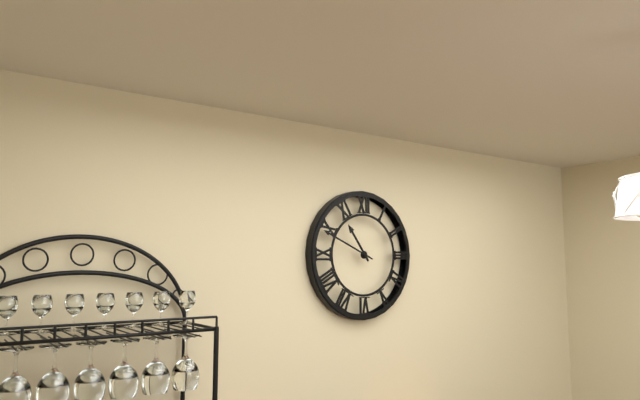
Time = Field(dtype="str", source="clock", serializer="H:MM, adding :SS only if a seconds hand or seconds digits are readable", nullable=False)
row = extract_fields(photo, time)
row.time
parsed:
10:49
